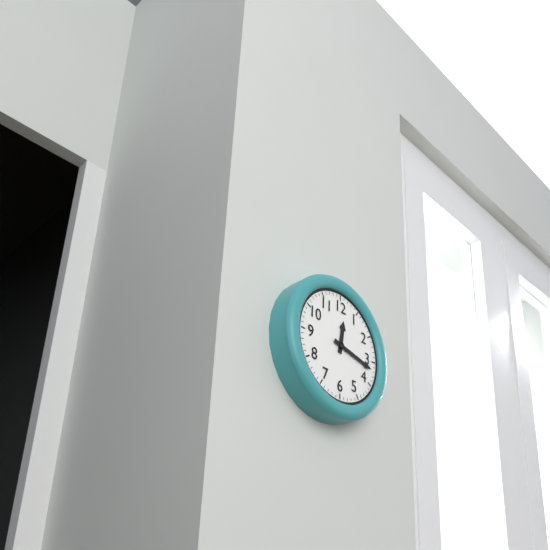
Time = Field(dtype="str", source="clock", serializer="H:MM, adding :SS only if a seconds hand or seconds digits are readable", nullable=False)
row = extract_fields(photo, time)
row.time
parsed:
12:17
